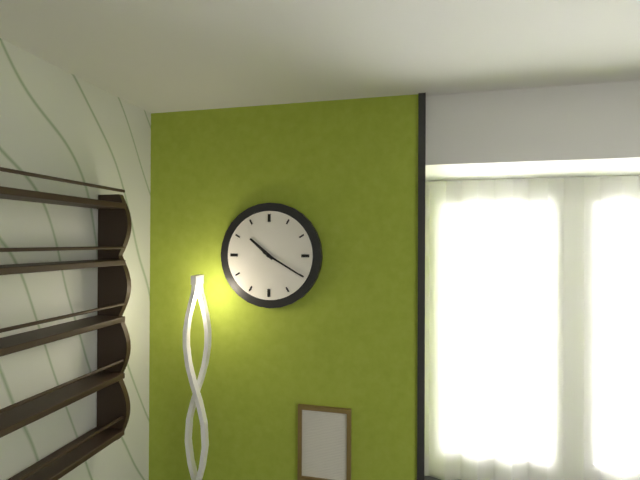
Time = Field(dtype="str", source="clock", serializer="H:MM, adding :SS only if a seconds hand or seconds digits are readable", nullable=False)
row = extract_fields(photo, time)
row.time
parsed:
10:20
